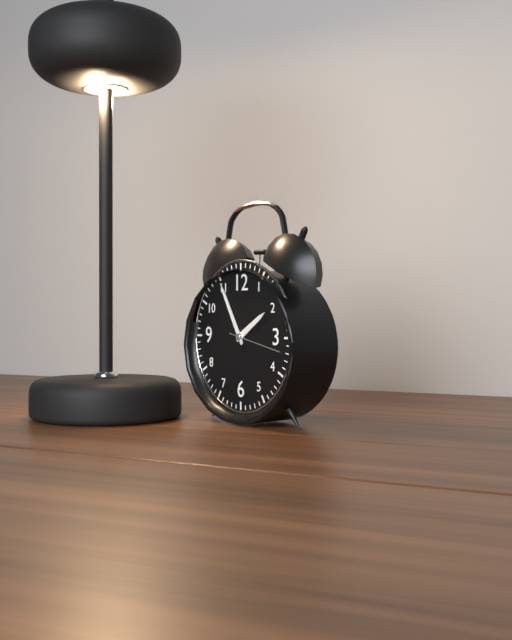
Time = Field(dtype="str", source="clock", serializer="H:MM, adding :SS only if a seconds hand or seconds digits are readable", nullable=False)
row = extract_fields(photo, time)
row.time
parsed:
1:55:17
